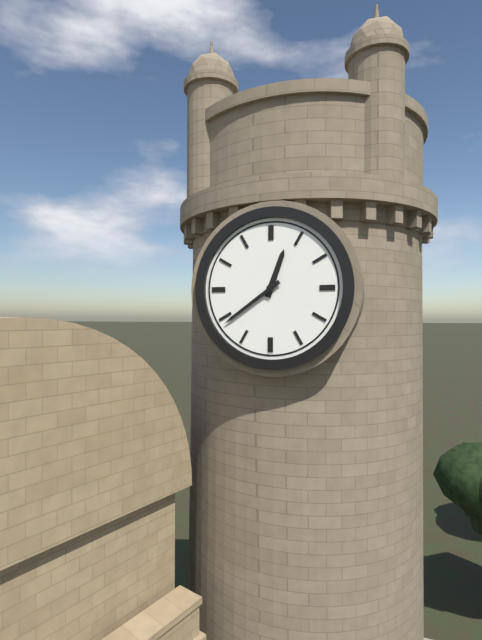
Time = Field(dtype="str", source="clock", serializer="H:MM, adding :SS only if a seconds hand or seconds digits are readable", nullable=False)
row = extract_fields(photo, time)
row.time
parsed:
12:39
